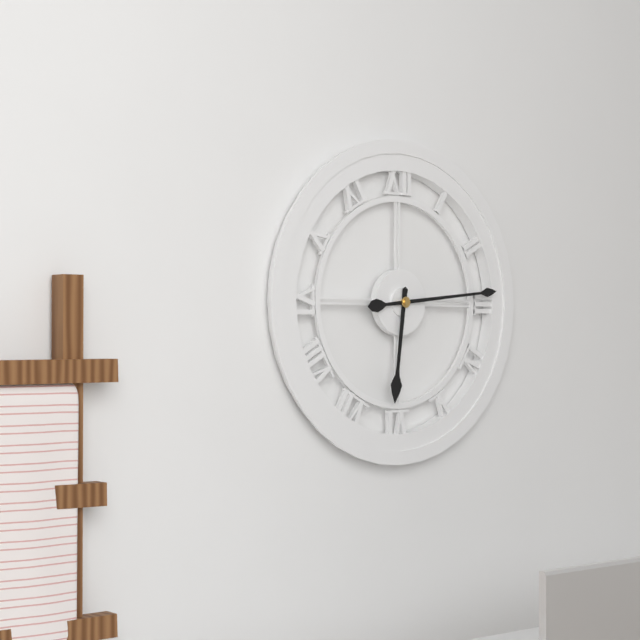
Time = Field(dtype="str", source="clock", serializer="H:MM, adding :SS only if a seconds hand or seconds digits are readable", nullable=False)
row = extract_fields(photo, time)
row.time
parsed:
6:14
